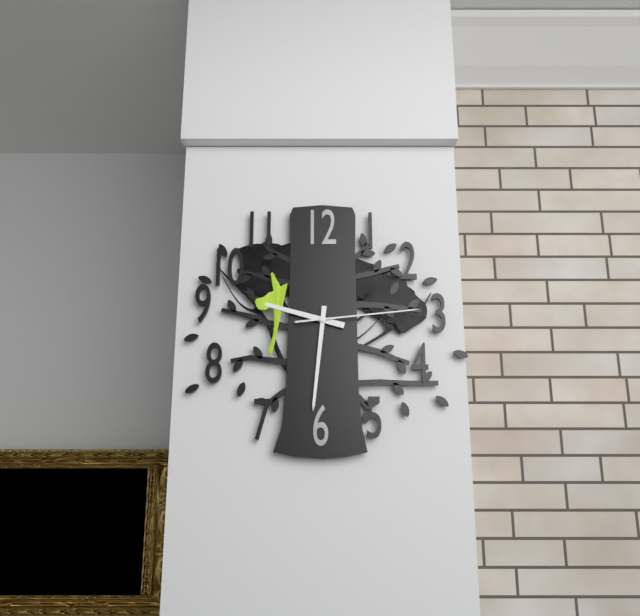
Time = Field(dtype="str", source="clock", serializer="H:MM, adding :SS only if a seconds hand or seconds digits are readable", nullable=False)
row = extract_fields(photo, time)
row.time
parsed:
9:31:14
